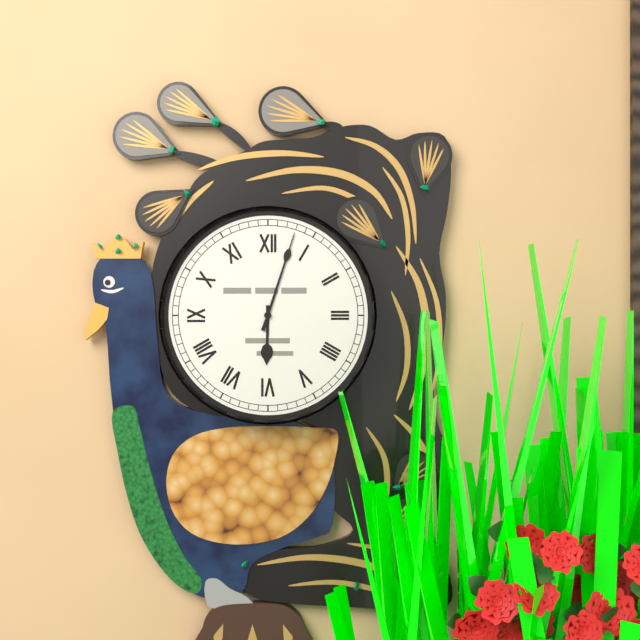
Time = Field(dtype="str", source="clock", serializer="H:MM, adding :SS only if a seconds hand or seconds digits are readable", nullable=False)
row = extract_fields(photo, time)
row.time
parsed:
6:03
